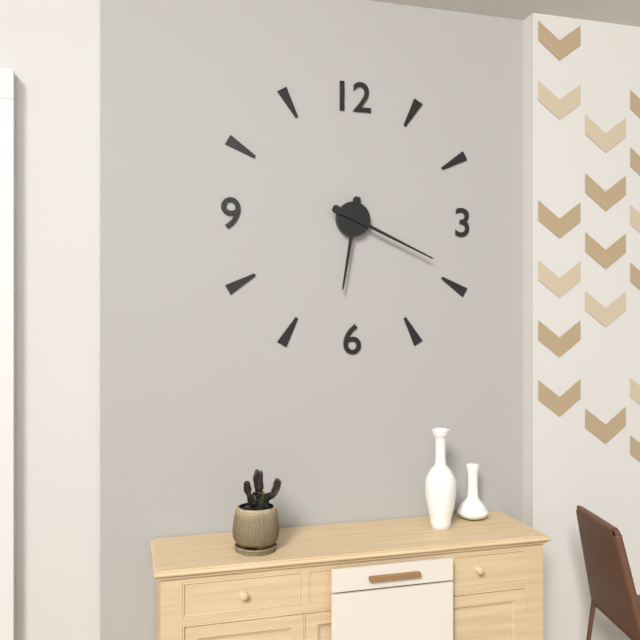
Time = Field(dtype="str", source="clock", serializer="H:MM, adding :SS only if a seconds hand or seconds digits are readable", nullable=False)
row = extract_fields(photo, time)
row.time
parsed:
6:19
